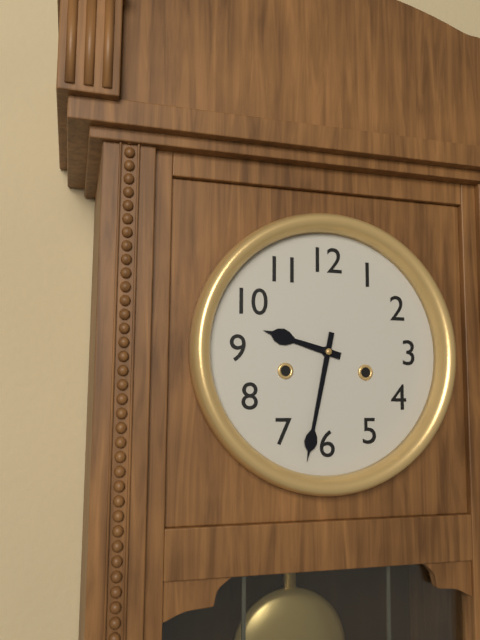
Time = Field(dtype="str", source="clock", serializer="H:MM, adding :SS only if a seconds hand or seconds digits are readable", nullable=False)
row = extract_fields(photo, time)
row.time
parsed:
9:32
